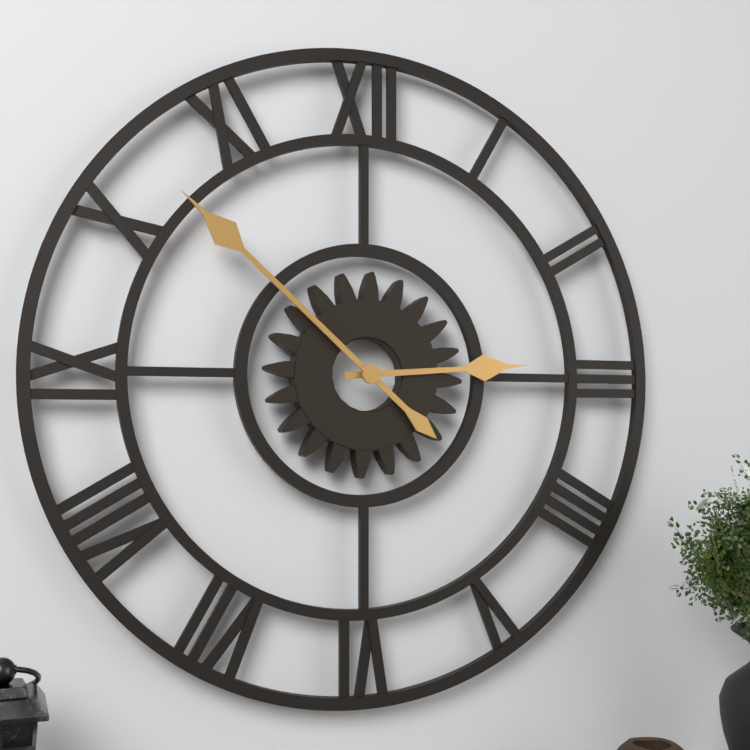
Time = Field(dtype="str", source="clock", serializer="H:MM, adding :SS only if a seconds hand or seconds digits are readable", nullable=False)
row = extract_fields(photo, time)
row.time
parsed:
2:52
